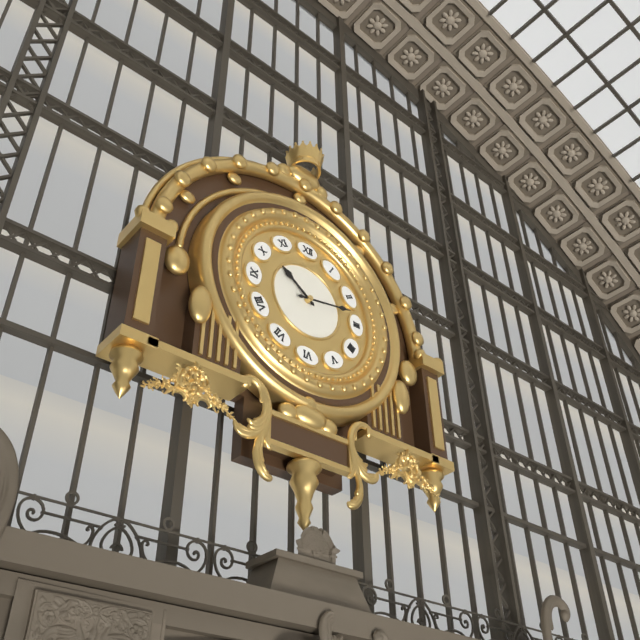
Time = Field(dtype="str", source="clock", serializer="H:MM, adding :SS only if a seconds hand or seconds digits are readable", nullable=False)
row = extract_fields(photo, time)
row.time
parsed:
10:13
